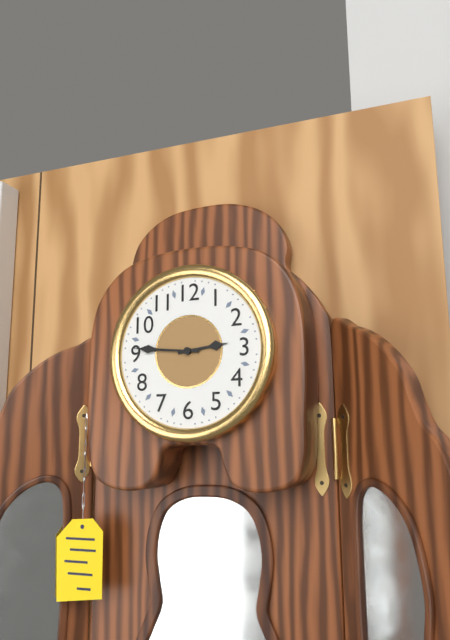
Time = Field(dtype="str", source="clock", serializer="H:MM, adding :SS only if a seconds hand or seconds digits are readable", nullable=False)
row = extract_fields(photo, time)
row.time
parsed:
2:46
